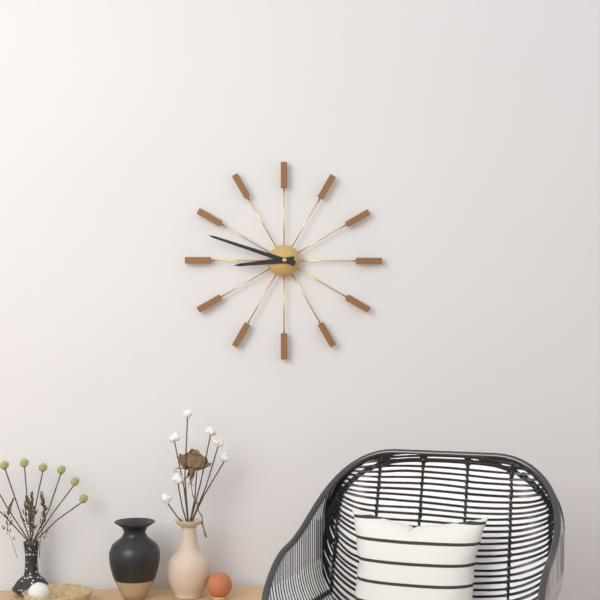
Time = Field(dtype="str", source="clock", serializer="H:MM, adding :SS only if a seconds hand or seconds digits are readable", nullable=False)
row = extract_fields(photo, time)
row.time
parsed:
8:48
